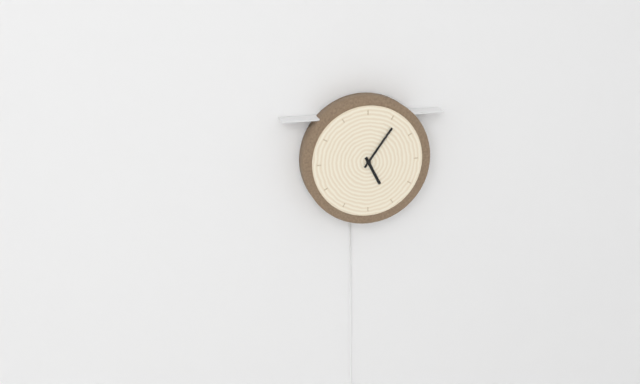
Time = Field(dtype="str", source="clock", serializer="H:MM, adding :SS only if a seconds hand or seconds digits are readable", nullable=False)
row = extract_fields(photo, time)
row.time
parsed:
5:06
